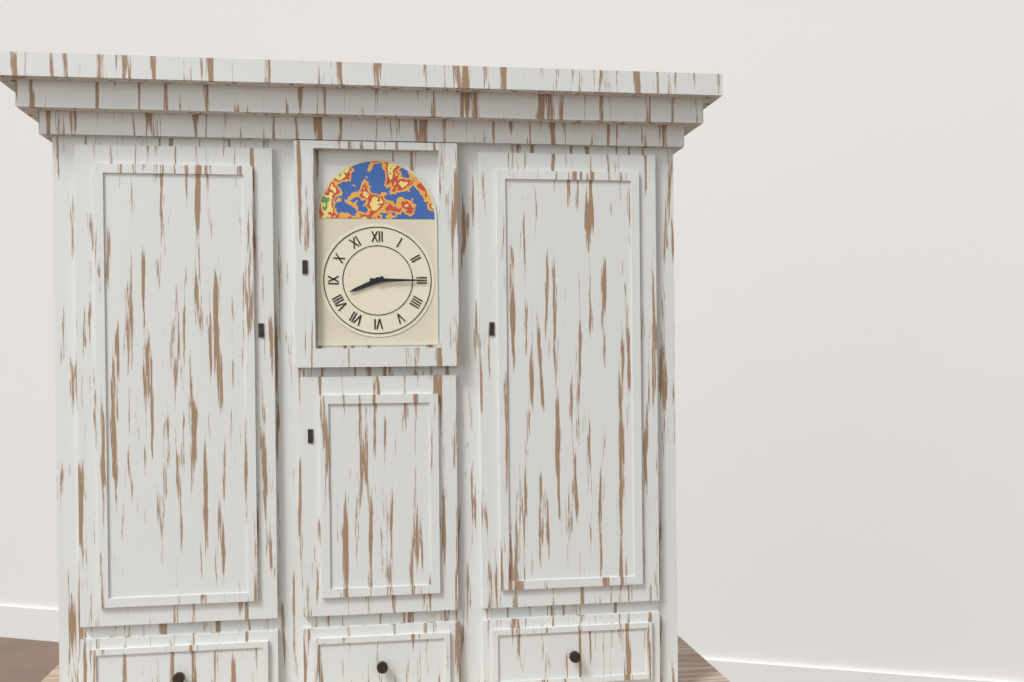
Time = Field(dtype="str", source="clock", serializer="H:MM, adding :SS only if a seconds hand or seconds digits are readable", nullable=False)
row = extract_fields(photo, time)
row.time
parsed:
8:15
